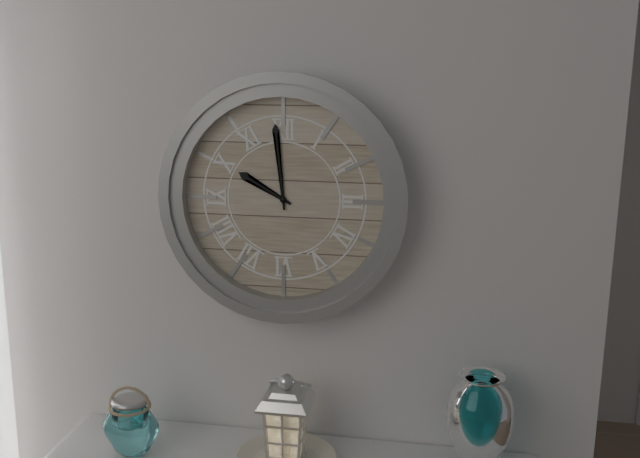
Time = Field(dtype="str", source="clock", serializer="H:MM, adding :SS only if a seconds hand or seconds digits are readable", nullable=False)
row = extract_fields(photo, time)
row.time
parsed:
9:59
